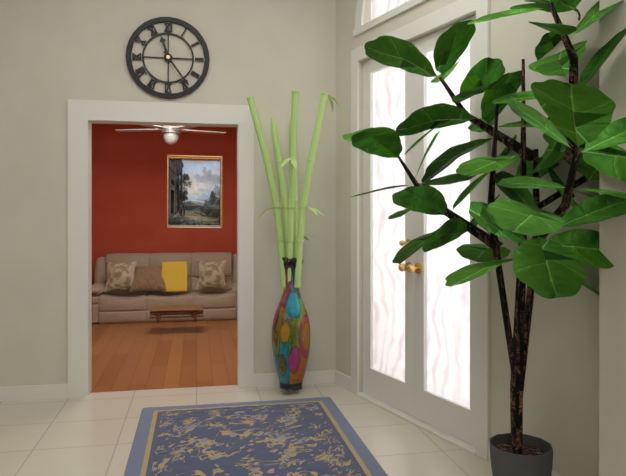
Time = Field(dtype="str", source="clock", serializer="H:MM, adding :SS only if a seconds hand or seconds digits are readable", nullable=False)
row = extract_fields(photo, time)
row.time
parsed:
11:24
